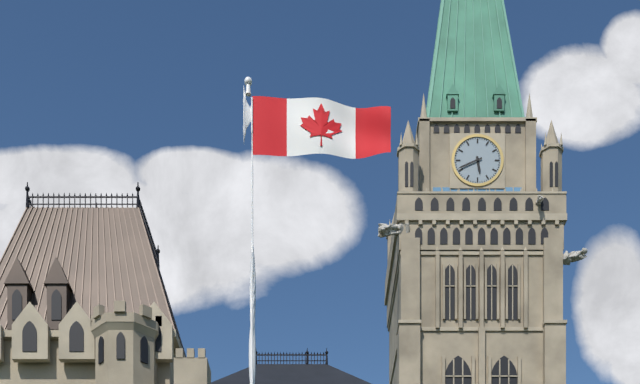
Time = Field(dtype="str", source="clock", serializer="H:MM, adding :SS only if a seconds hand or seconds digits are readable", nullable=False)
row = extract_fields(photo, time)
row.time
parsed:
5:41
